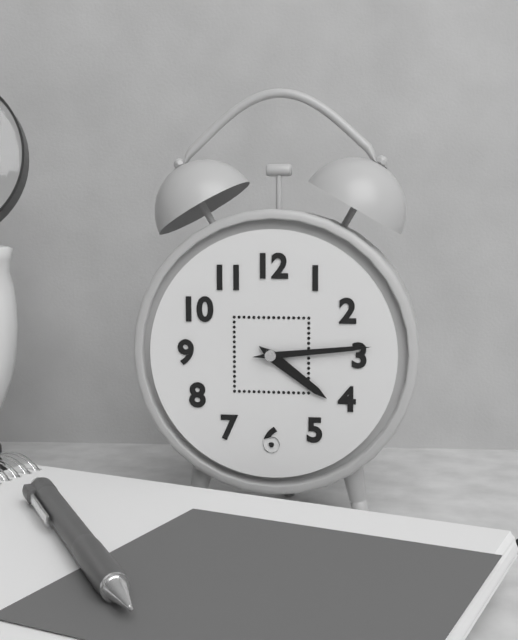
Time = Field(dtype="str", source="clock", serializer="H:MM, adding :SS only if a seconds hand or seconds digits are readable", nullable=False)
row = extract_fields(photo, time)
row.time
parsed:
4:14
